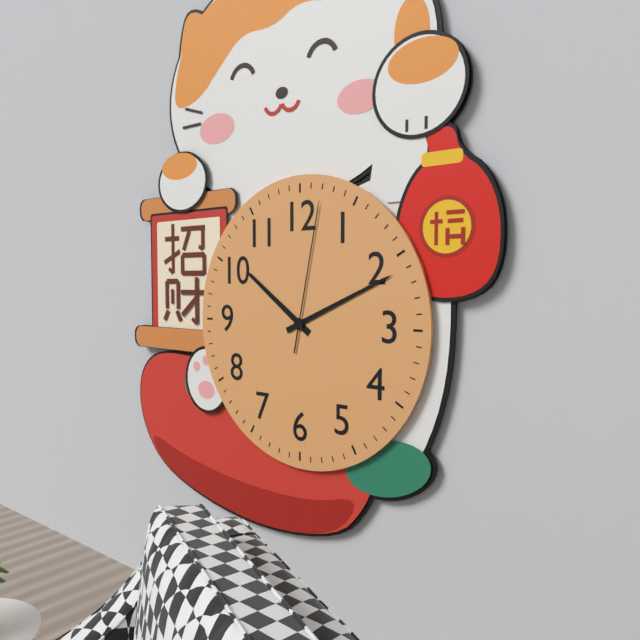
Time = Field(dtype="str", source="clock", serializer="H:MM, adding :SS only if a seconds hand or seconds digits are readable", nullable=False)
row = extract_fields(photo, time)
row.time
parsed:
10:11:02
